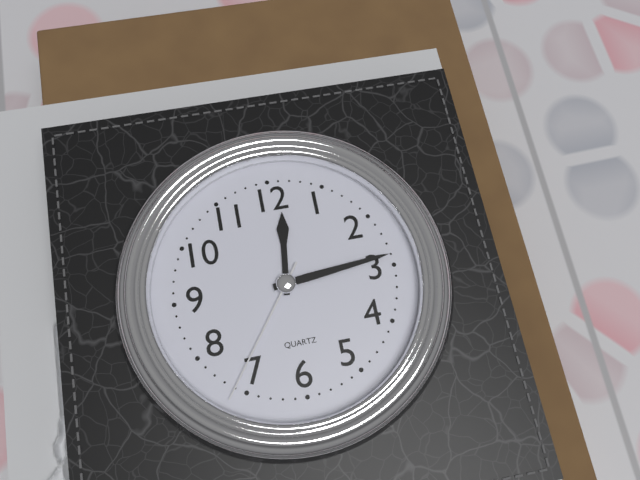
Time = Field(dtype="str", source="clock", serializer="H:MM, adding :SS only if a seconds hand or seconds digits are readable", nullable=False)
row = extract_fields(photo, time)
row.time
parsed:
12:14:36
